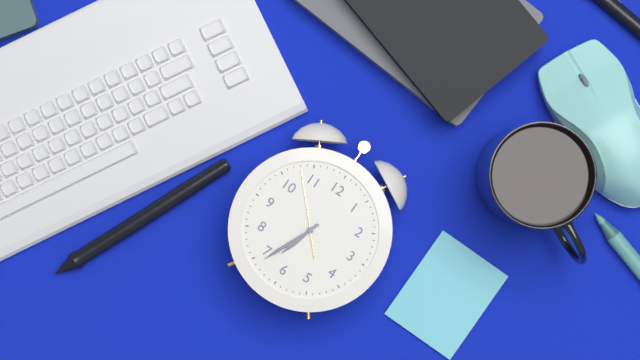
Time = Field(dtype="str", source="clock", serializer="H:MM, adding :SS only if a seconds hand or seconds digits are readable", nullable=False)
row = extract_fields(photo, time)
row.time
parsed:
6:34:53
